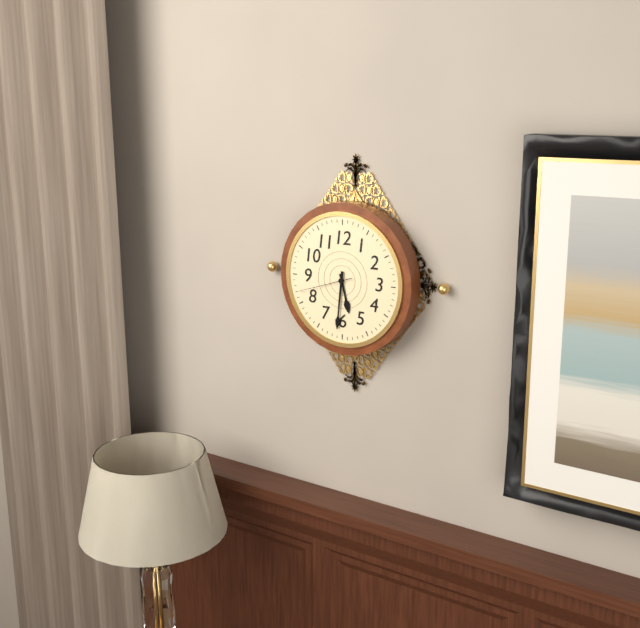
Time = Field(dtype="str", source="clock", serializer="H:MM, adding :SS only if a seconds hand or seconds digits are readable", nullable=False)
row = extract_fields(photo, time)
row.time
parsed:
5:31:42
